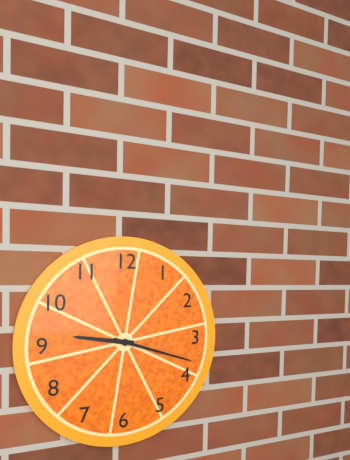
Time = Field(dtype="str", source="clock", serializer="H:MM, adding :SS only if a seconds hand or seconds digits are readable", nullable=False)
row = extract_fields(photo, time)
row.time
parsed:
9:18
